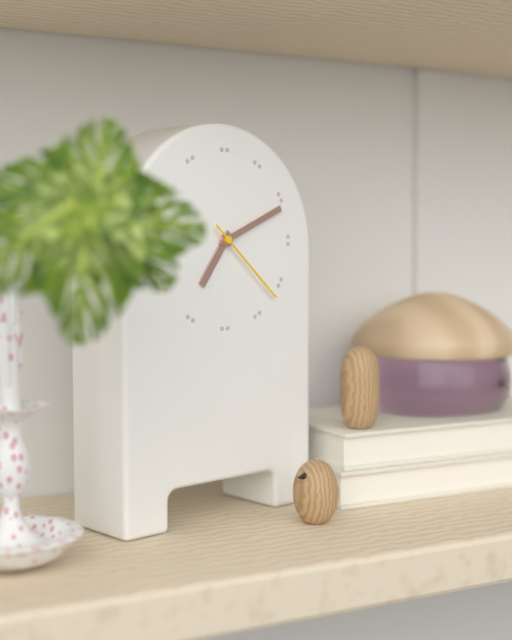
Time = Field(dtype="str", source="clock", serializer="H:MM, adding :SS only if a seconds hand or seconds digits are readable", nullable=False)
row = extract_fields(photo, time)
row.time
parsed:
7:11:22
